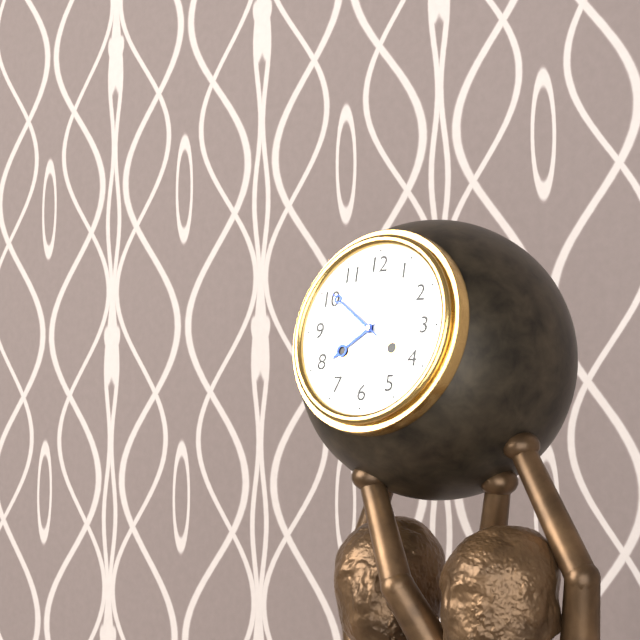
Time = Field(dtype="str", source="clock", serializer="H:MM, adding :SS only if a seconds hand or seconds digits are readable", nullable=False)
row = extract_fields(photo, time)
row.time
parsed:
7:51
